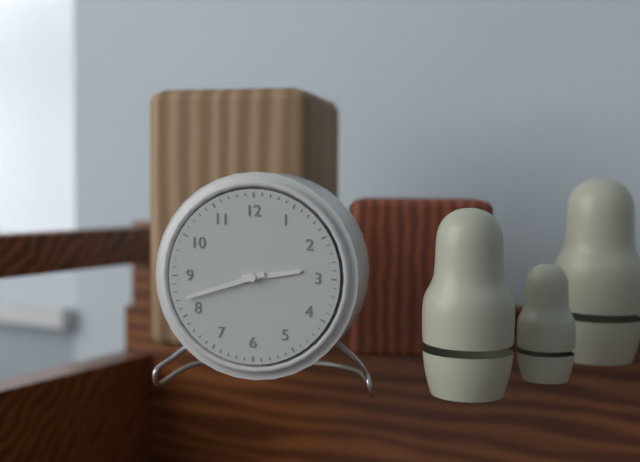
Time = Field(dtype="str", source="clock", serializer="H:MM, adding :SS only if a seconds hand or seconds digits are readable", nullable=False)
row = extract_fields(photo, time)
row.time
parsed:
2:42
